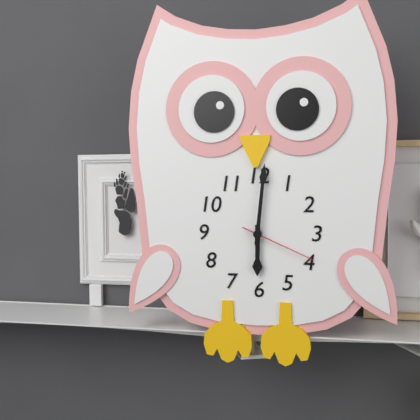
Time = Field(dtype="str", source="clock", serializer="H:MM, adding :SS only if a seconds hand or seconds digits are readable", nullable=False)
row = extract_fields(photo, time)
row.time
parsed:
6:01:19
